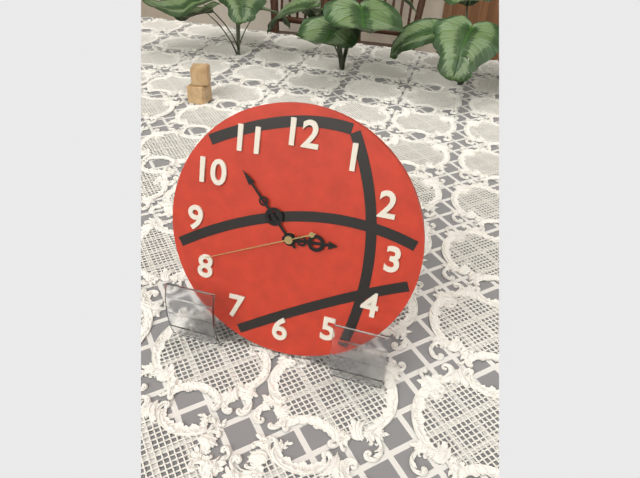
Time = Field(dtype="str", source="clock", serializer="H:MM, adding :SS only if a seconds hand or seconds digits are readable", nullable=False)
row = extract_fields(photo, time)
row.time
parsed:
2:53:41
